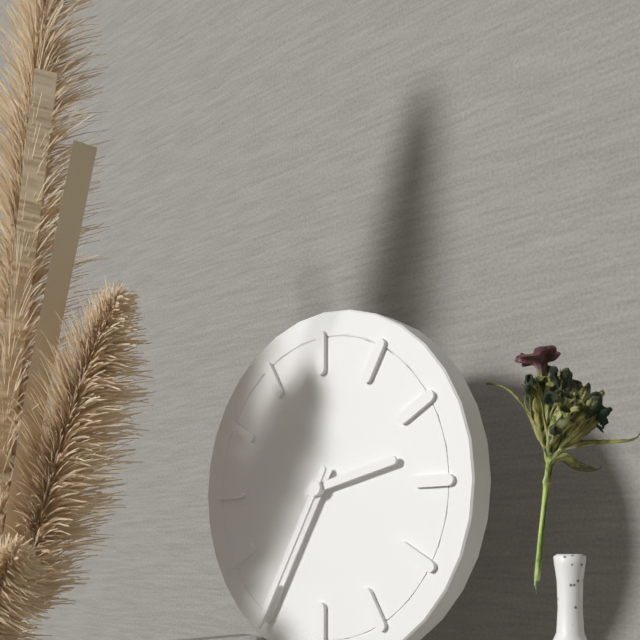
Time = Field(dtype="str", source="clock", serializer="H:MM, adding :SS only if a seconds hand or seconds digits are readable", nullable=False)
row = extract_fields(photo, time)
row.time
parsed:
2:35
